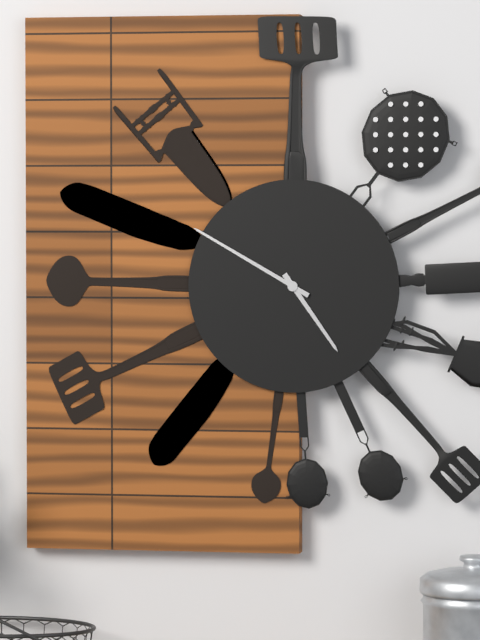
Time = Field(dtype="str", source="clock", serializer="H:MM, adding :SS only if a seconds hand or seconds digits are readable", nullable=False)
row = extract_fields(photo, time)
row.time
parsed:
4:50
